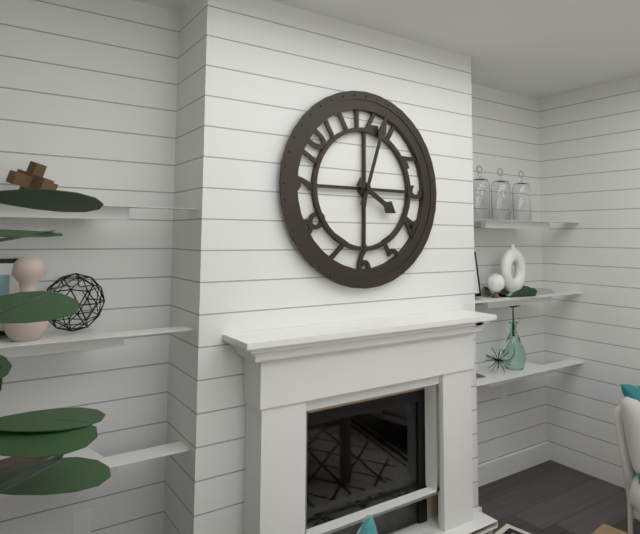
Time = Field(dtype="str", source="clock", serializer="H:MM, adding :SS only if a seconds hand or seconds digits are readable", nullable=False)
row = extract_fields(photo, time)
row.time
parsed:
4:03
